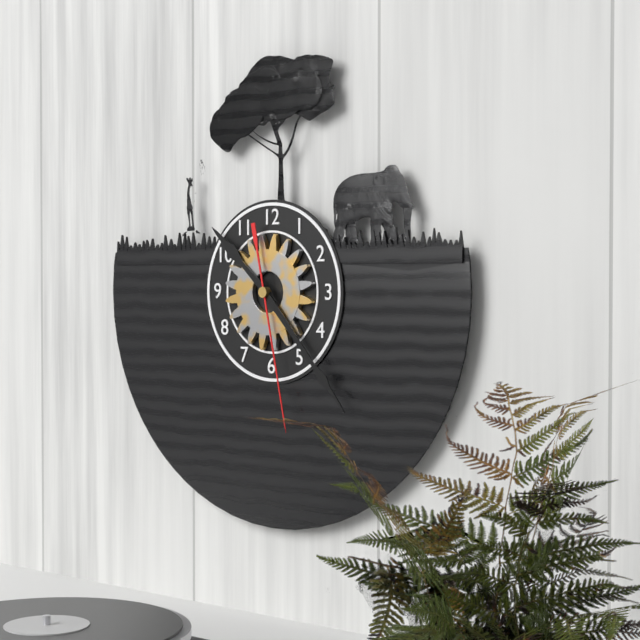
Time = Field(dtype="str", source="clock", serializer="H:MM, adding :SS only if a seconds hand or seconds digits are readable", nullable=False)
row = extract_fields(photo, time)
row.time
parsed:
10:23:28
